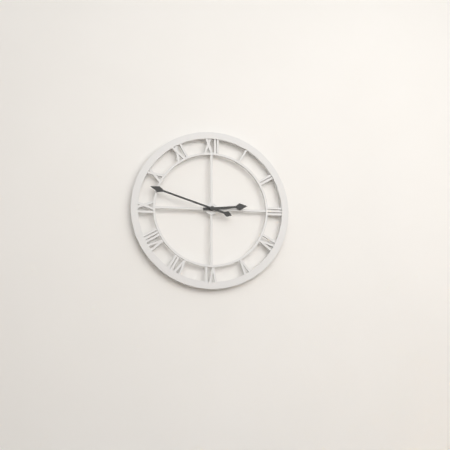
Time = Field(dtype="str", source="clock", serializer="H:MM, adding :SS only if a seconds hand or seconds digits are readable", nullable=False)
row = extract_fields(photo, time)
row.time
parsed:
2:48
